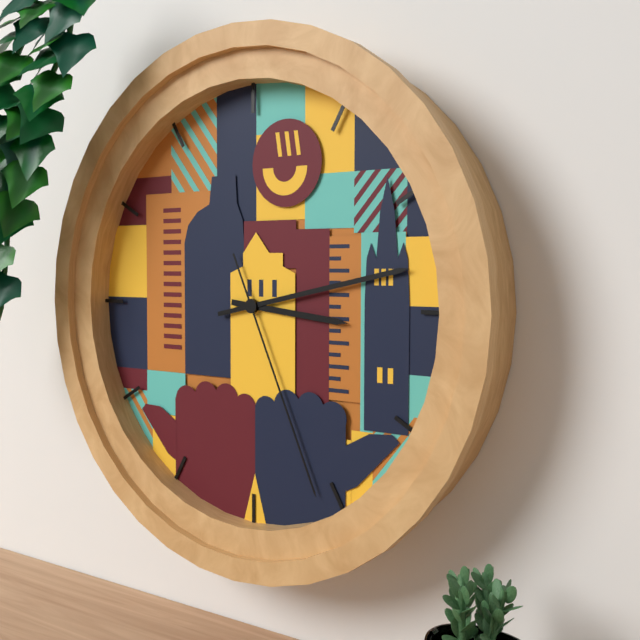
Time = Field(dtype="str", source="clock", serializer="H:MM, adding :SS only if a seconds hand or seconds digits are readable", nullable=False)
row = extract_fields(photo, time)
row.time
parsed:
3:13:26
